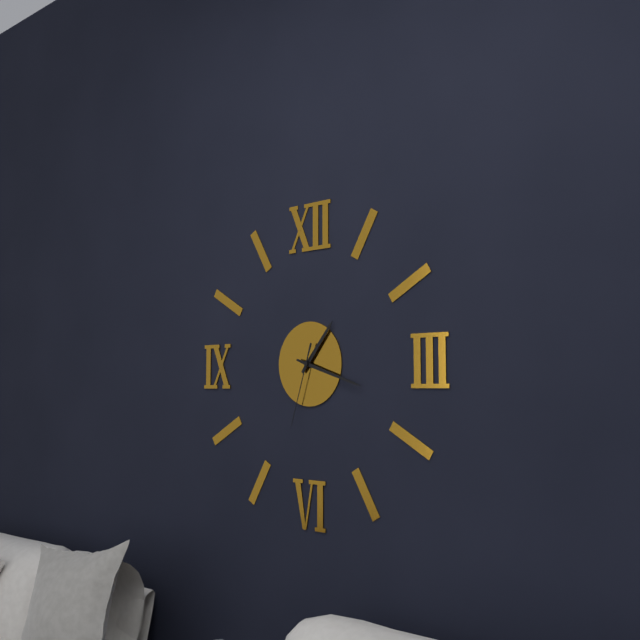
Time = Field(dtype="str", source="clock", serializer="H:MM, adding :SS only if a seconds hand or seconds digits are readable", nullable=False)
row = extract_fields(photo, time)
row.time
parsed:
1:18:33
